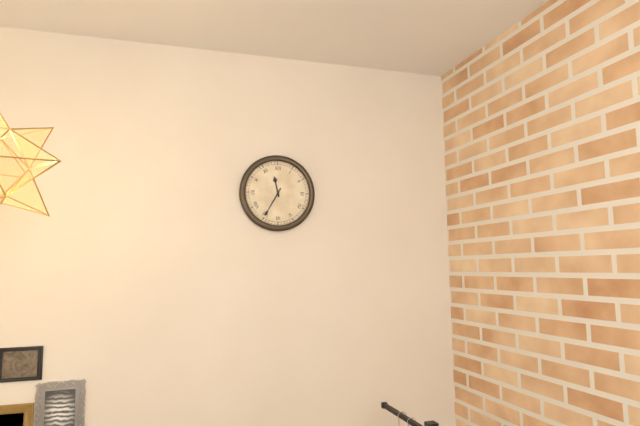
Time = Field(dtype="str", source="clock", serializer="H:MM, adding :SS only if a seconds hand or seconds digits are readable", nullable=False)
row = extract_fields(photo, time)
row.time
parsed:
11:35
